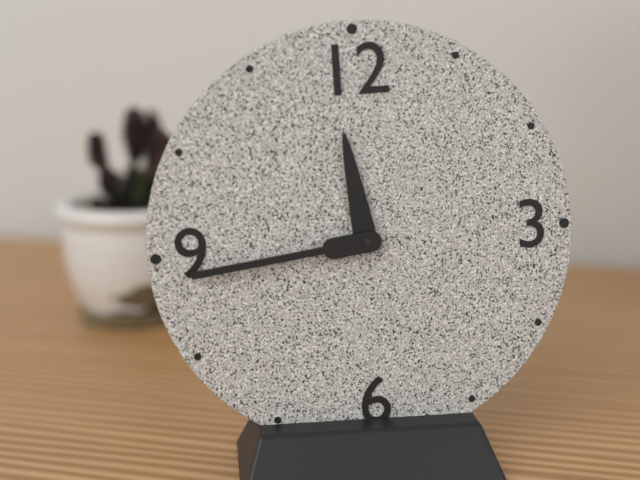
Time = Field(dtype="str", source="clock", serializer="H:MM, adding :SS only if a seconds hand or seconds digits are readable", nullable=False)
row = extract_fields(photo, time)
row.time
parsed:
11:44
